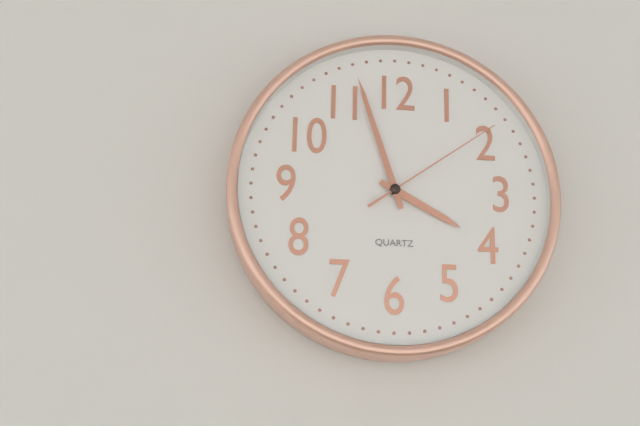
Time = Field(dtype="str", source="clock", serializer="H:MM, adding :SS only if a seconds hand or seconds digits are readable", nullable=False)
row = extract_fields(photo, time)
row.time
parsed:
3:57:09
